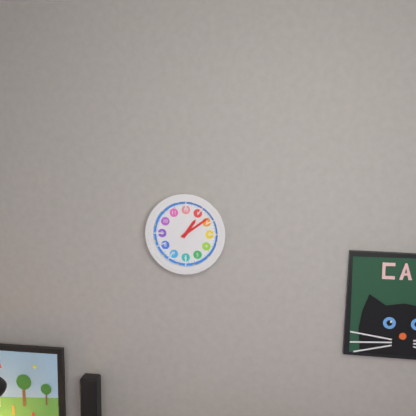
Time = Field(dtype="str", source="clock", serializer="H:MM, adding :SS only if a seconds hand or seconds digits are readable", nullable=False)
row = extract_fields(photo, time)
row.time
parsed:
1:09
